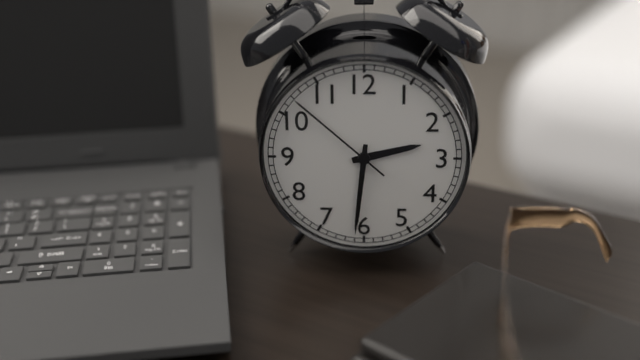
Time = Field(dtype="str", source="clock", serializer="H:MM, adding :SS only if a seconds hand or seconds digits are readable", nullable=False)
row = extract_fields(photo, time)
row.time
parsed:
2:31:52
